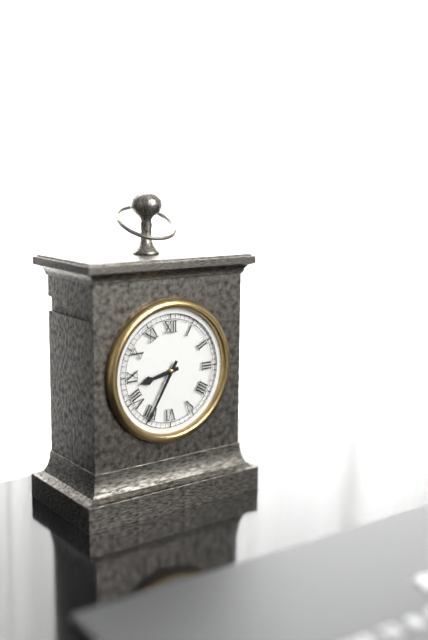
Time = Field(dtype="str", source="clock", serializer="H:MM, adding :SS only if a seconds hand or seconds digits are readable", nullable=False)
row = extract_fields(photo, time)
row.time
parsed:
8:35
